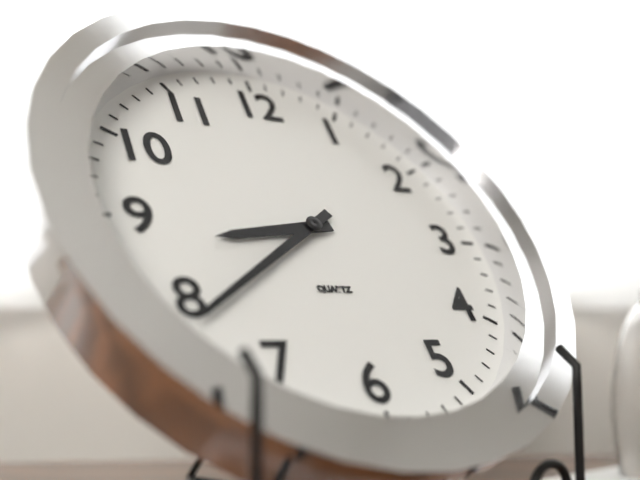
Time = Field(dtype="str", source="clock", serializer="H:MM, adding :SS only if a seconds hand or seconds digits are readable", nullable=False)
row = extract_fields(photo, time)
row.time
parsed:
8:39
